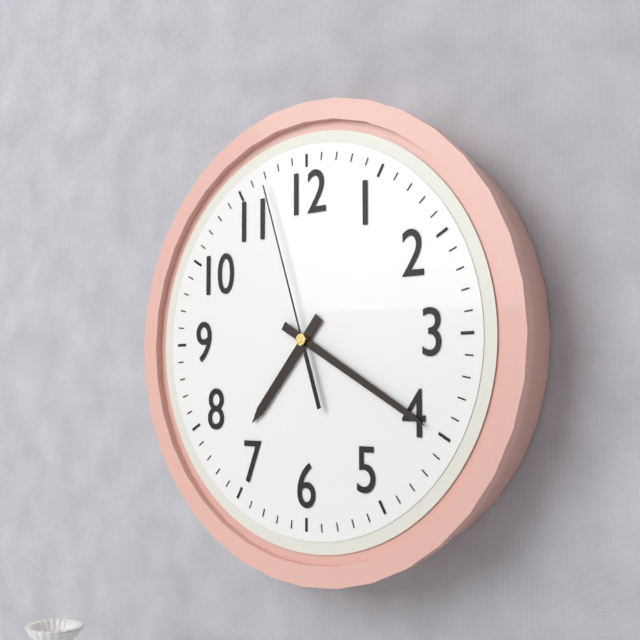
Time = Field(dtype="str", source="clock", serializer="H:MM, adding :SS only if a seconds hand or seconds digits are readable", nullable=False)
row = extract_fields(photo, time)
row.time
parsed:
7:20:57
